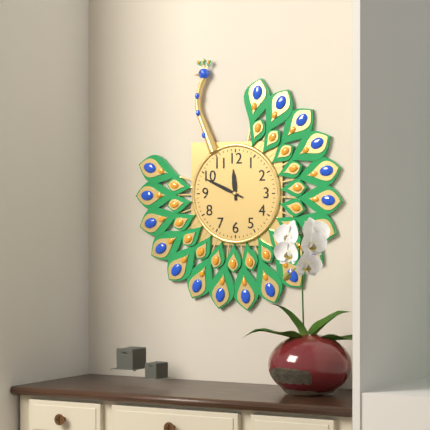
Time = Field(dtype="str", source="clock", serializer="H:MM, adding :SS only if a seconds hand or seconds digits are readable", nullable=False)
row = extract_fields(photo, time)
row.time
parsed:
11:49
